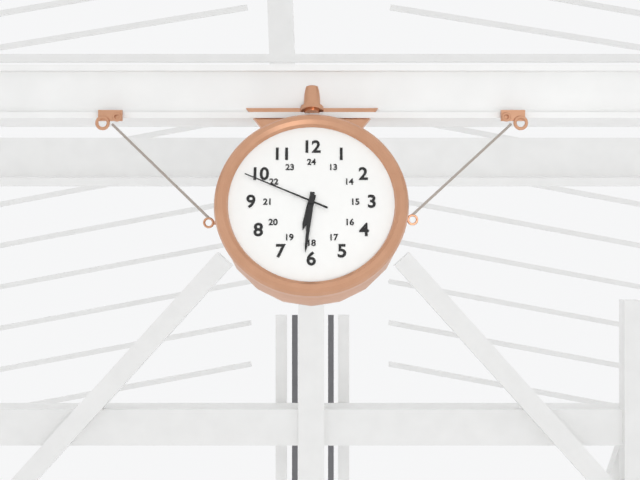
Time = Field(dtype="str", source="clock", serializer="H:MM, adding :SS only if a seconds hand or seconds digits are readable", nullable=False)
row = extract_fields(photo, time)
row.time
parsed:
6:31:49
